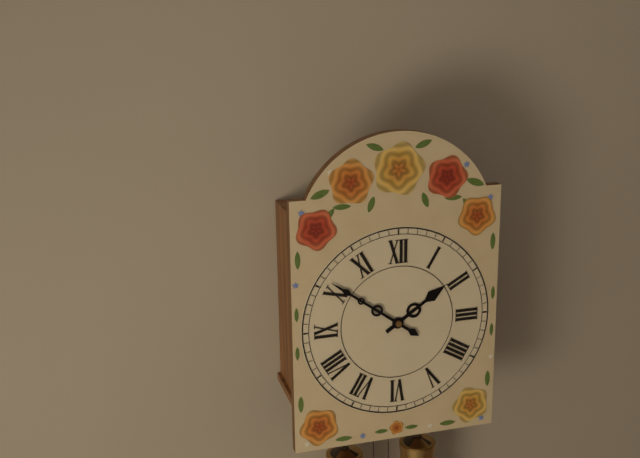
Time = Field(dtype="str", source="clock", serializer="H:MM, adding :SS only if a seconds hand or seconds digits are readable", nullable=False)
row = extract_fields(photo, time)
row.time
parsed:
1:51
